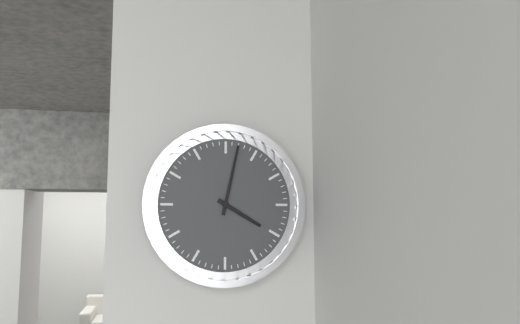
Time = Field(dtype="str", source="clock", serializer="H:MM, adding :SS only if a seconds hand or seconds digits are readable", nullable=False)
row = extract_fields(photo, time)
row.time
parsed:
4:02
